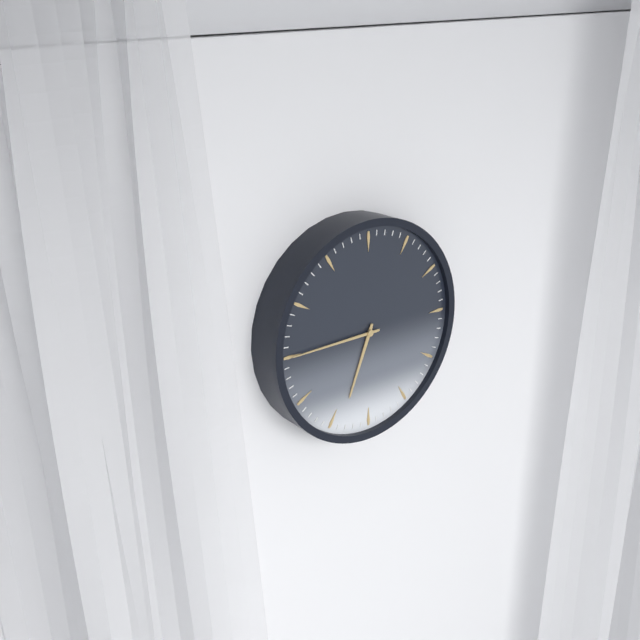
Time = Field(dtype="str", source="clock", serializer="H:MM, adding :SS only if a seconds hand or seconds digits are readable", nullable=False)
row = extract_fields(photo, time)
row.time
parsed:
6:45
